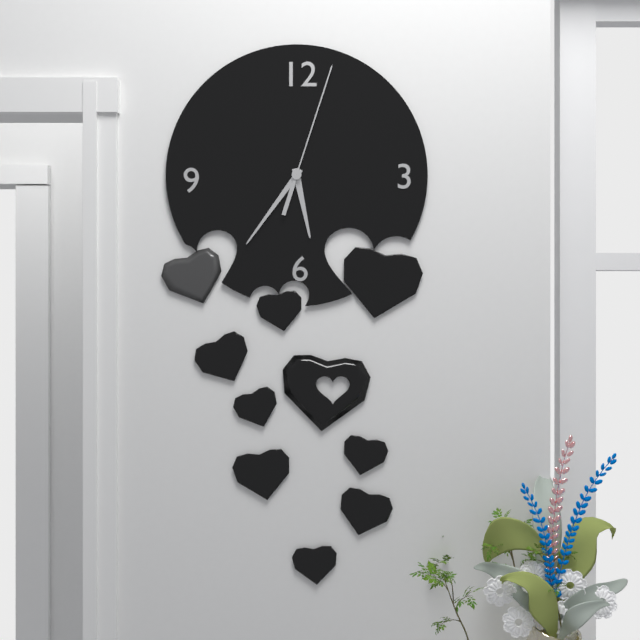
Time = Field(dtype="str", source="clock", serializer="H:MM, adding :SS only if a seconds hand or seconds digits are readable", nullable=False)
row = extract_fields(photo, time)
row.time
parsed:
5:36:03
